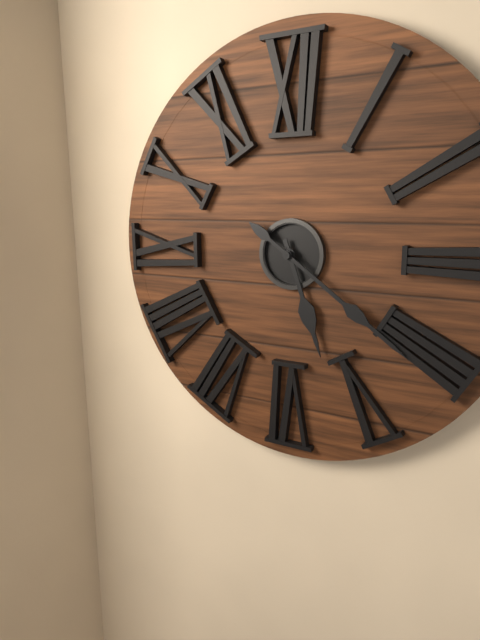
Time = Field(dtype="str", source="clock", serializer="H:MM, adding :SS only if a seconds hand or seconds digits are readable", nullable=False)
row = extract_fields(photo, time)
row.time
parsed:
5:21
